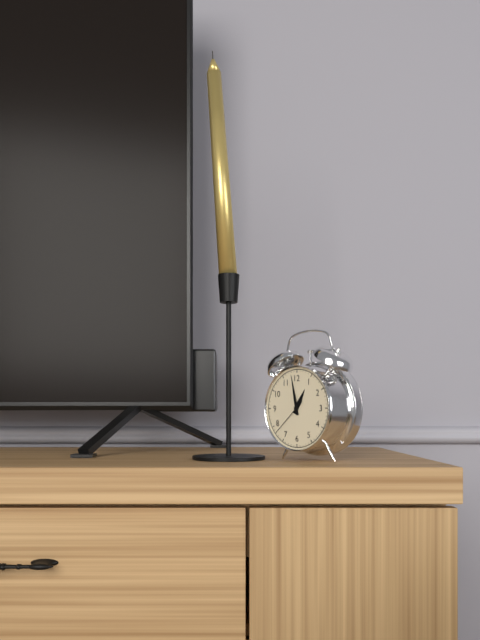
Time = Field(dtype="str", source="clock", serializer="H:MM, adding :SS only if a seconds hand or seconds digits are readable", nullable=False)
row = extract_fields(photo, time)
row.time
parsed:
12:58
